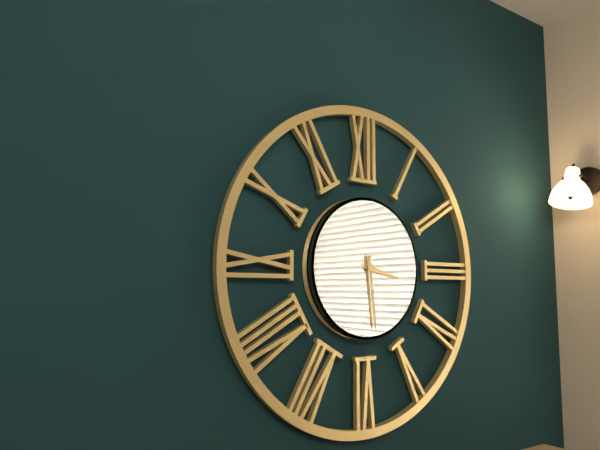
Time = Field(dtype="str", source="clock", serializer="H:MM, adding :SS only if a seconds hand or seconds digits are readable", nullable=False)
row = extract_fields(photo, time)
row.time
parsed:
3:29
